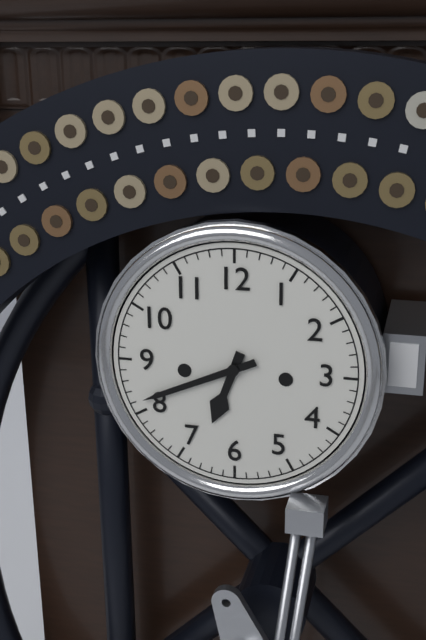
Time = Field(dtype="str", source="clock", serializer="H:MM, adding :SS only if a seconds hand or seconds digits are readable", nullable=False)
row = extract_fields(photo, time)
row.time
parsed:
6:41
